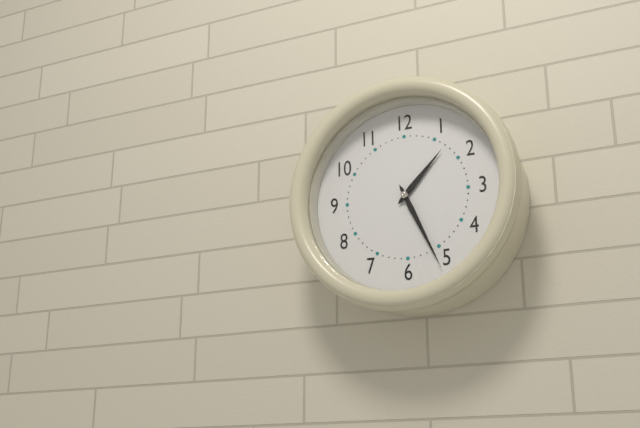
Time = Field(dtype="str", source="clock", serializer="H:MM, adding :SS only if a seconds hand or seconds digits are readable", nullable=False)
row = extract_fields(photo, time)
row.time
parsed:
1:26
